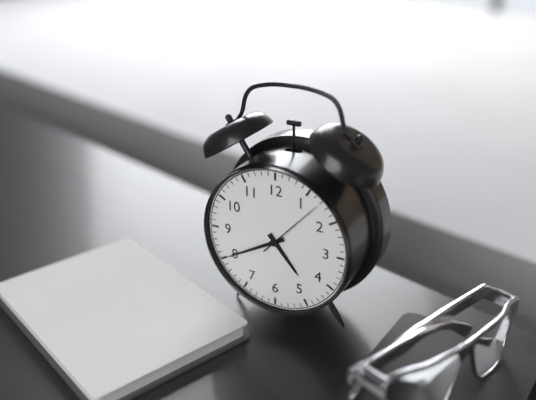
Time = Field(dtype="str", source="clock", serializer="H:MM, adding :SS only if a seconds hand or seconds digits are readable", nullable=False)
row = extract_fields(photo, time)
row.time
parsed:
4:40:07
